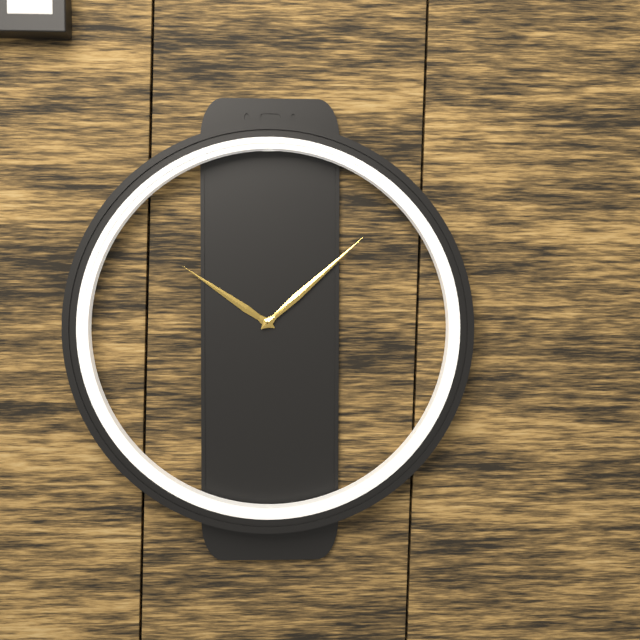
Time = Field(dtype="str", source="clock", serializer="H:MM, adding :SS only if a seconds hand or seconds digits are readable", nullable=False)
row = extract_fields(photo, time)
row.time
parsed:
10:08
